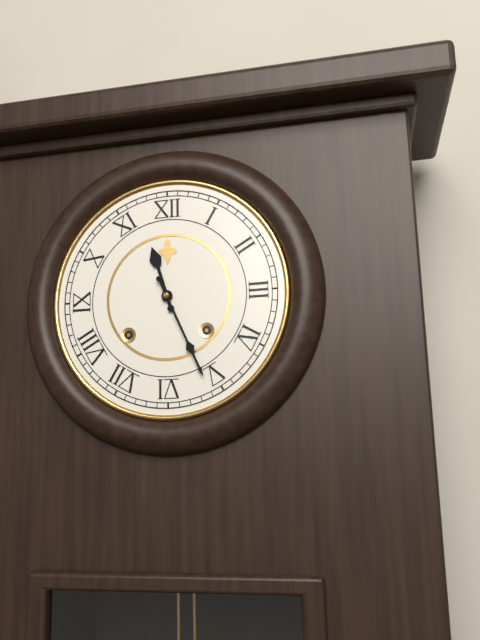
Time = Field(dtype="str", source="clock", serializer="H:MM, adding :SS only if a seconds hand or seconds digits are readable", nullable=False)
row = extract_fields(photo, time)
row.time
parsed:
11:26
